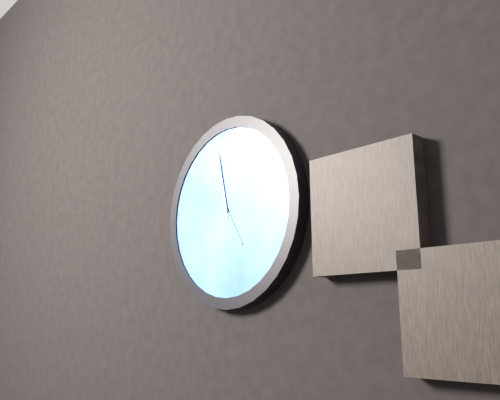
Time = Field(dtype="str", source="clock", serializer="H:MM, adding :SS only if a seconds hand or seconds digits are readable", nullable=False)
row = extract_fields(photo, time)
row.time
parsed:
4:58
